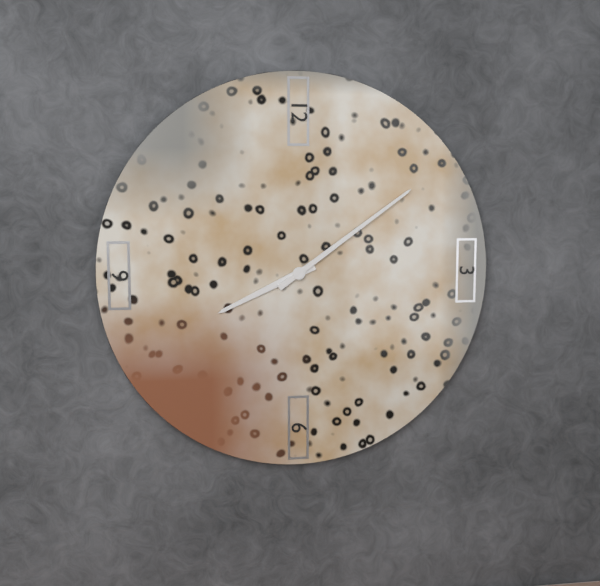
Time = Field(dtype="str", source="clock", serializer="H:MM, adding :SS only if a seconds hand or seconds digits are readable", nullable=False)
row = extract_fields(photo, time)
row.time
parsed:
8:09
